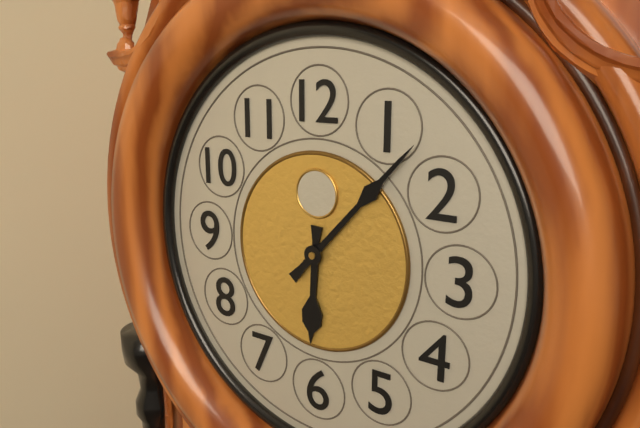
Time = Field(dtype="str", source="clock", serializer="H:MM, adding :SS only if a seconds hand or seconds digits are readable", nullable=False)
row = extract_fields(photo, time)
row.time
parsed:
6:07
